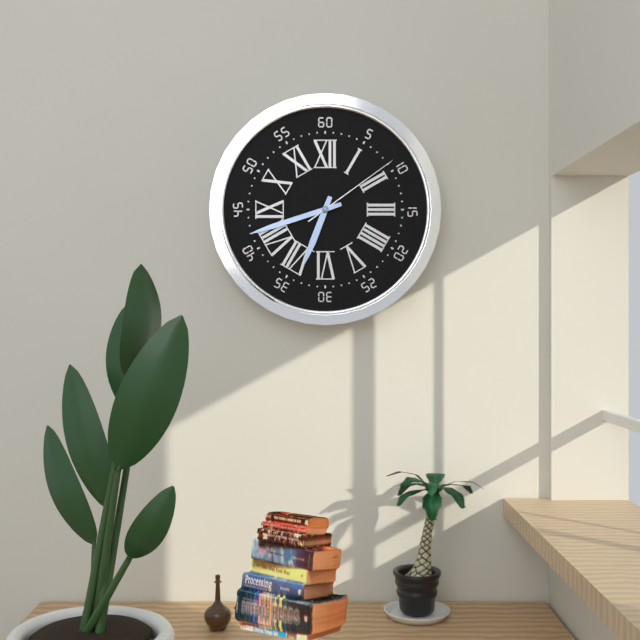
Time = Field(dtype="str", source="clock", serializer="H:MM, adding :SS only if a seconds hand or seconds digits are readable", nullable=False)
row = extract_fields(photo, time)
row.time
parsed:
6:42:09
